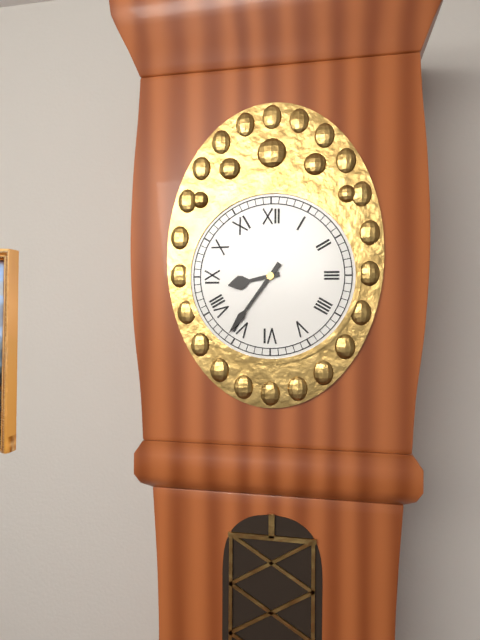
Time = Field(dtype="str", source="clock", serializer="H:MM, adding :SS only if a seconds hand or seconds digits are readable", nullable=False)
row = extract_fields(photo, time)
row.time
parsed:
8:36
